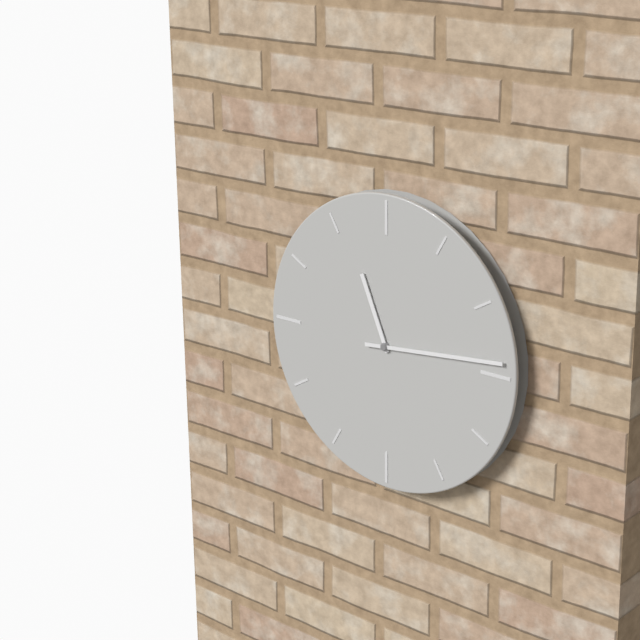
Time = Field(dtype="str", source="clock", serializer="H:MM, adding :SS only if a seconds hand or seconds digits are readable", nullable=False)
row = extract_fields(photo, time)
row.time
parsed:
11:14
